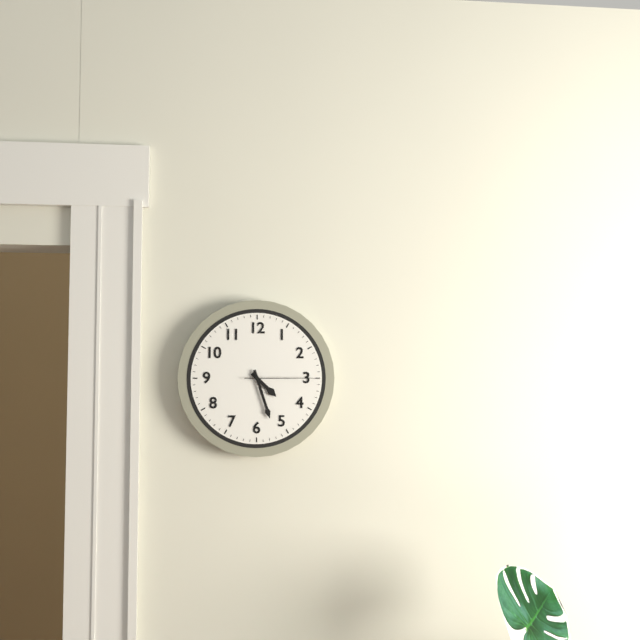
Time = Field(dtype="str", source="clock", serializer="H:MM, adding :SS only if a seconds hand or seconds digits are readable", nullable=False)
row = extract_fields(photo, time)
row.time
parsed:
4:27:15
